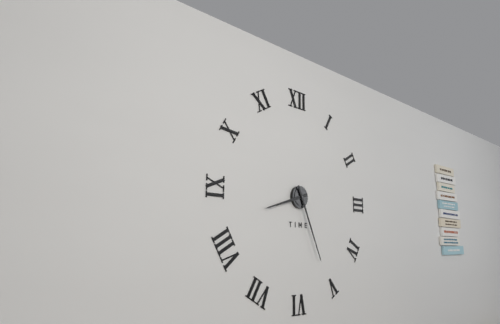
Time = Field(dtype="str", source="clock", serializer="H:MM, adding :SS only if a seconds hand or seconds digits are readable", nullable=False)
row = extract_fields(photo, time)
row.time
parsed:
8:26
